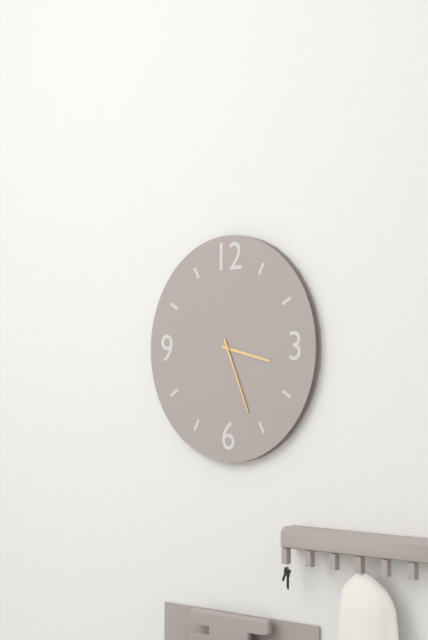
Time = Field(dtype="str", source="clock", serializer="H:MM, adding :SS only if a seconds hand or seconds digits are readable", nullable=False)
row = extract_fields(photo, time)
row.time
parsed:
3:26
